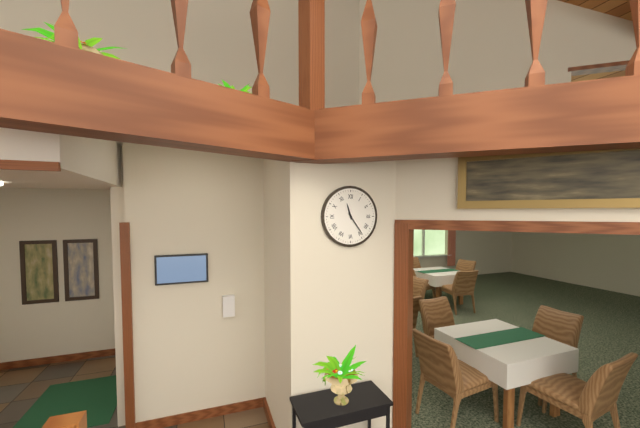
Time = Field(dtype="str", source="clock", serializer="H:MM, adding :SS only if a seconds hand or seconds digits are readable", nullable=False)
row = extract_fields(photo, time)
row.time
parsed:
11:24
